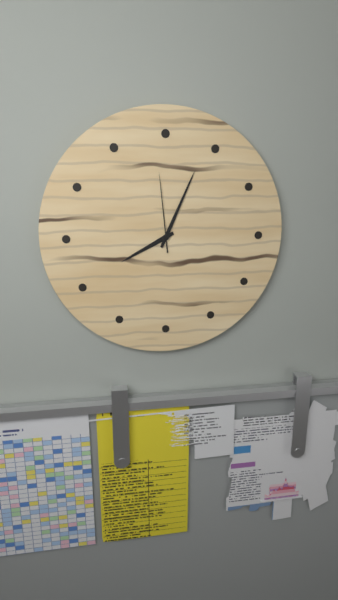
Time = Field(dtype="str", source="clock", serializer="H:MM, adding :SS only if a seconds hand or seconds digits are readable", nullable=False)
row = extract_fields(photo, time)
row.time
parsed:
8:04:59
